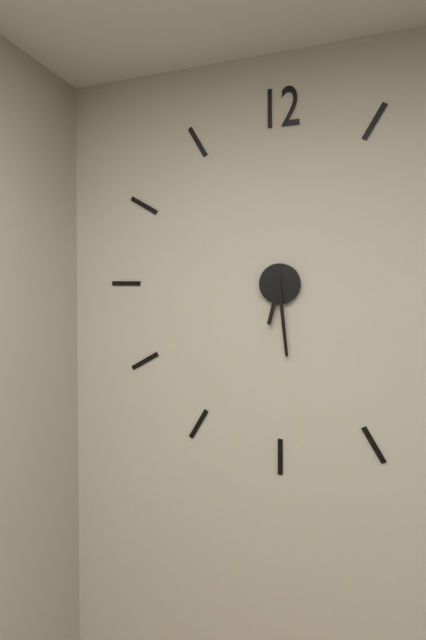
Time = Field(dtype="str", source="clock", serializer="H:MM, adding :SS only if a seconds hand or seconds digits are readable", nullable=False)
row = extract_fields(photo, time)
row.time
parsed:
6:29
